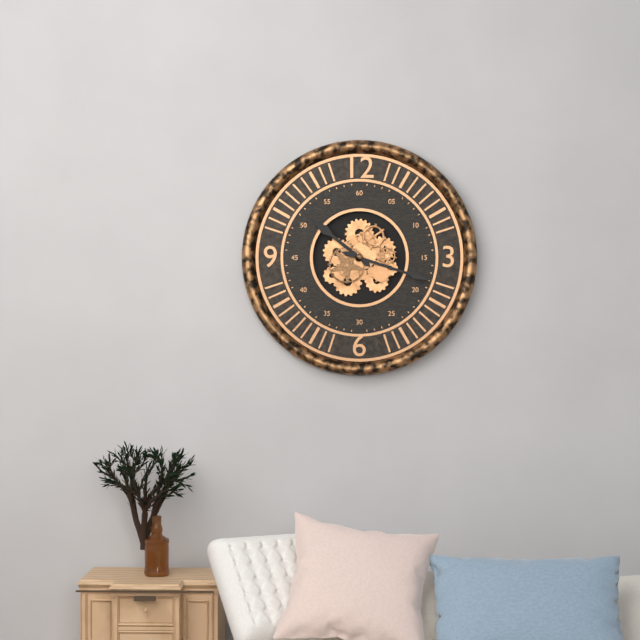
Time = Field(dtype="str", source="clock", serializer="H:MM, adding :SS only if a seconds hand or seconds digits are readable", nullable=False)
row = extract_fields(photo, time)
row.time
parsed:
10:18
